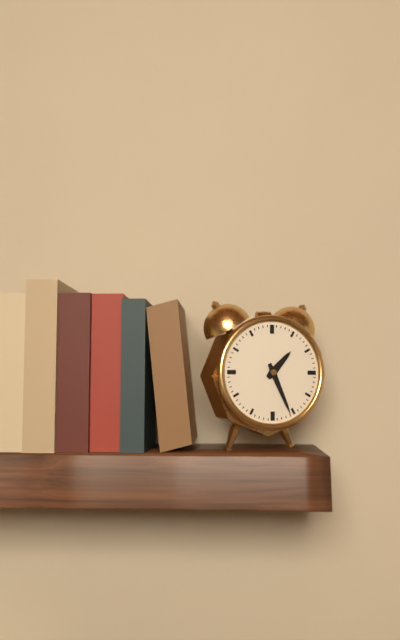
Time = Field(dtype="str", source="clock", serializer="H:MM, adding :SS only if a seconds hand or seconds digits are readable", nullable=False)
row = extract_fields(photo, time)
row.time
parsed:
1:26
